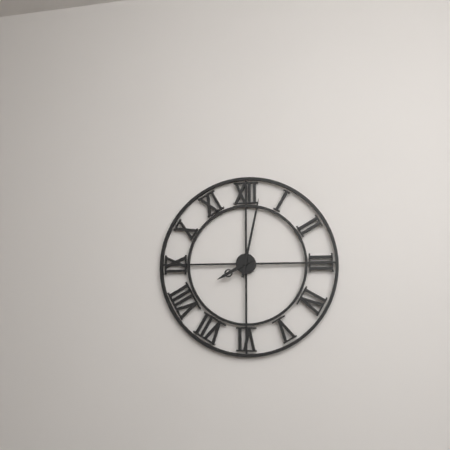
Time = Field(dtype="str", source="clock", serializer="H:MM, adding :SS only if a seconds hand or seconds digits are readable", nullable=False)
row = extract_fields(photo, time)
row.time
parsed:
8:02
